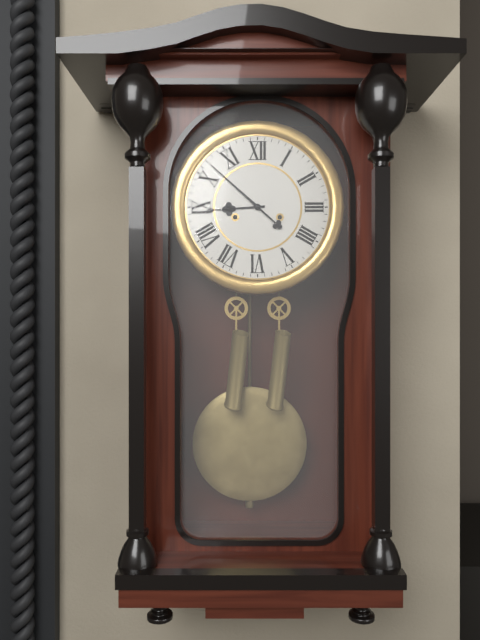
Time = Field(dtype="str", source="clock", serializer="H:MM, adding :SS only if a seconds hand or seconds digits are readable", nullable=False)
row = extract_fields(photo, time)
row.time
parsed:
8:52
